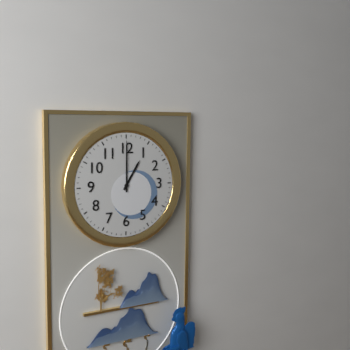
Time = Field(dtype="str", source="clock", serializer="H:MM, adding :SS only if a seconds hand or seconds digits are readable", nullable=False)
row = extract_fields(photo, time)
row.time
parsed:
1:00
